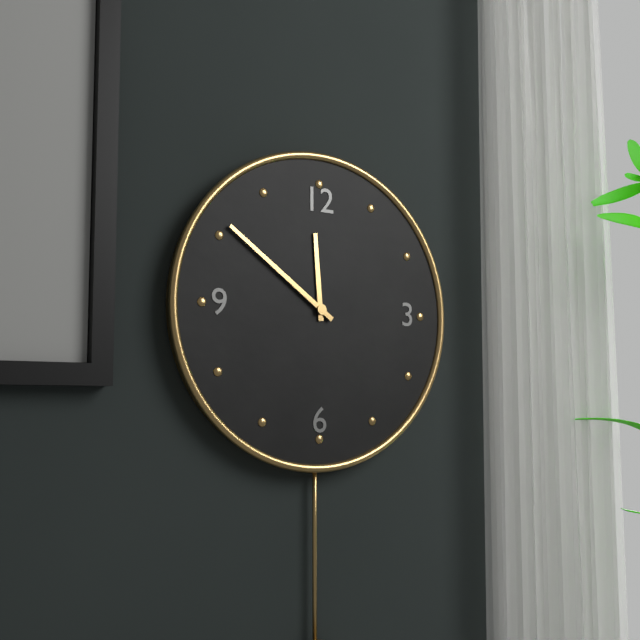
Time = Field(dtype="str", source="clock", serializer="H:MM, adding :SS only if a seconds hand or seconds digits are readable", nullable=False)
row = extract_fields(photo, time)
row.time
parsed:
11:51
